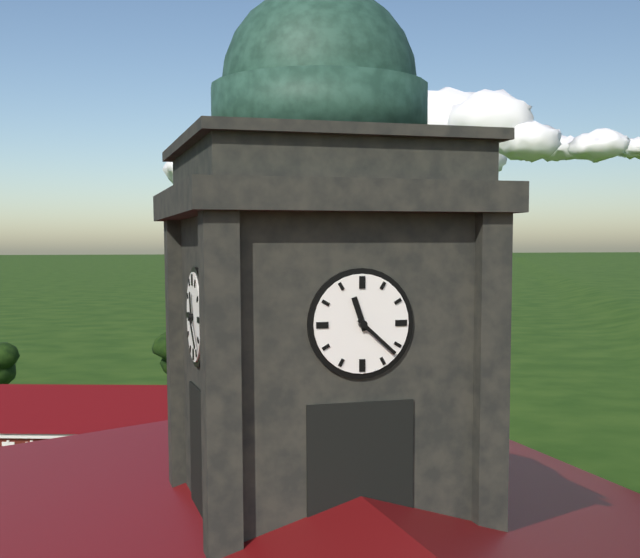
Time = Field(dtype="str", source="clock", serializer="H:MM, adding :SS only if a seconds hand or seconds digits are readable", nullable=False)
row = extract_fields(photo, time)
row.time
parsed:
11:22
